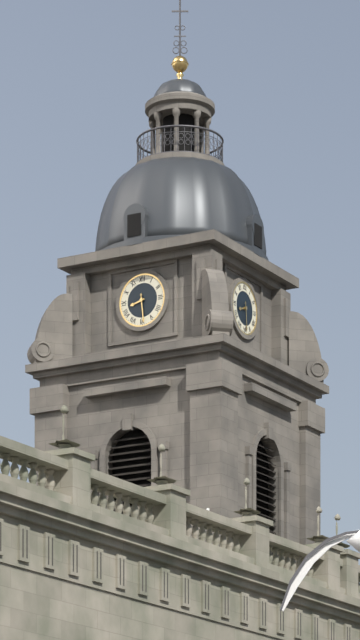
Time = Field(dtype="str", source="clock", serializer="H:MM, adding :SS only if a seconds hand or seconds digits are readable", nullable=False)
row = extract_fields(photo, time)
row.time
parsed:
8:29
